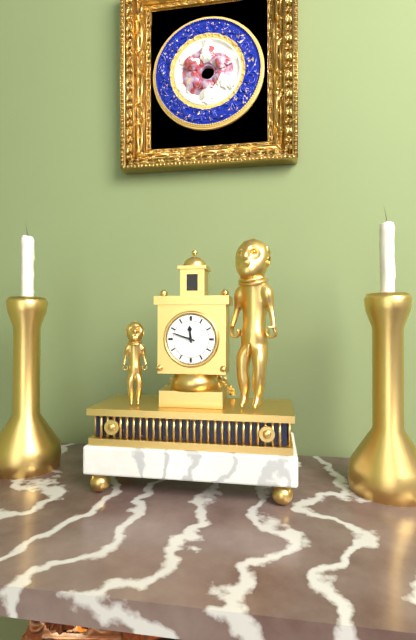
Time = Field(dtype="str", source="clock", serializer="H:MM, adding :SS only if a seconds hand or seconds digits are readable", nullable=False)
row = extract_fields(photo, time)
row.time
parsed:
11:48
